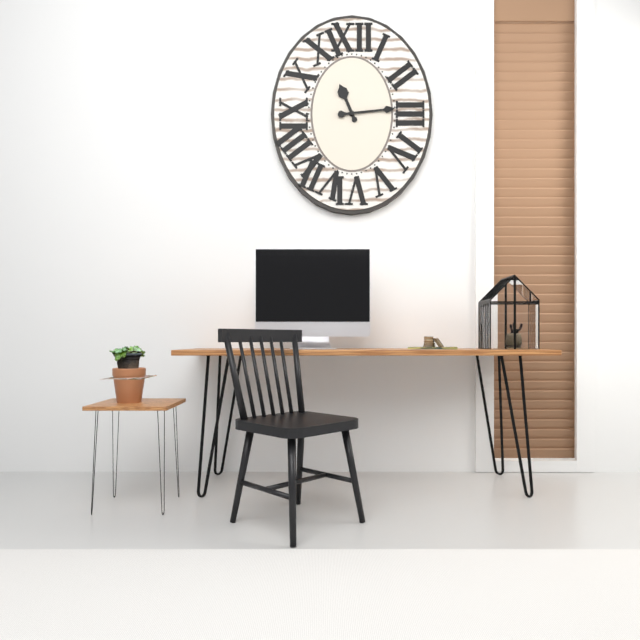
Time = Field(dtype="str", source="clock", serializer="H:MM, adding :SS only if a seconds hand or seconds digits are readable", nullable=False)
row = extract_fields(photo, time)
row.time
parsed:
11:14
